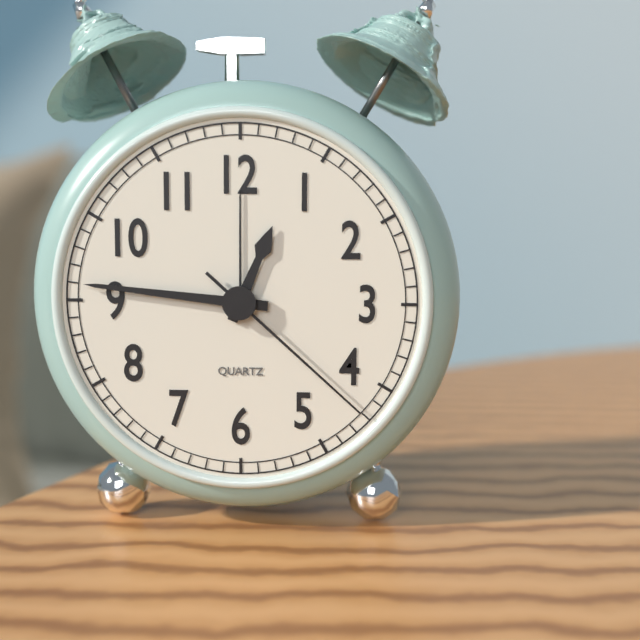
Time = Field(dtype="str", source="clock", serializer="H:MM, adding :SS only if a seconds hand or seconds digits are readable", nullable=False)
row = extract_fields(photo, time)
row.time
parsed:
12:46:22
